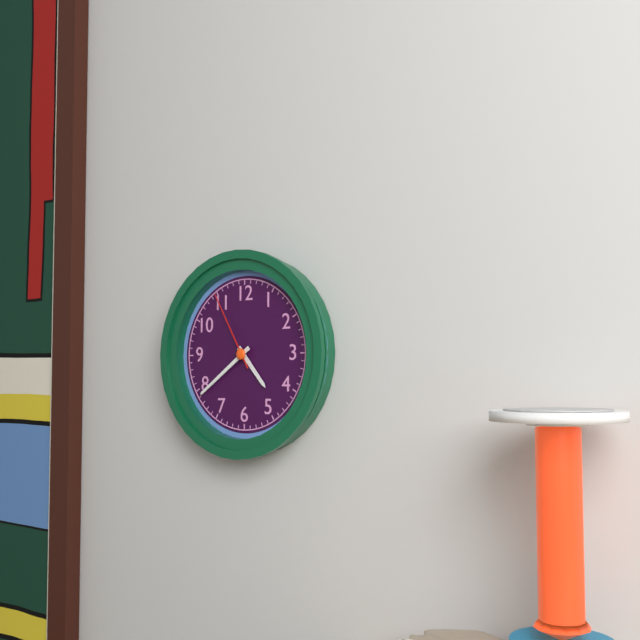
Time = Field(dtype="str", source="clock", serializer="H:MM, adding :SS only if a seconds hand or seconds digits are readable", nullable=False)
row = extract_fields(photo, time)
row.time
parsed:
4:39:55
